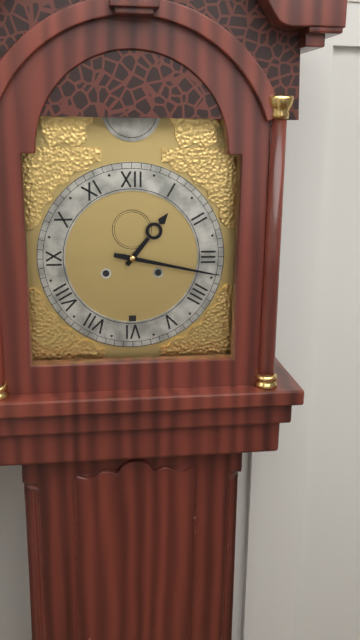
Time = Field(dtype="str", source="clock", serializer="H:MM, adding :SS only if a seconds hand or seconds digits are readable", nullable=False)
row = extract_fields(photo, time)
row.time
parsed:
1:17
